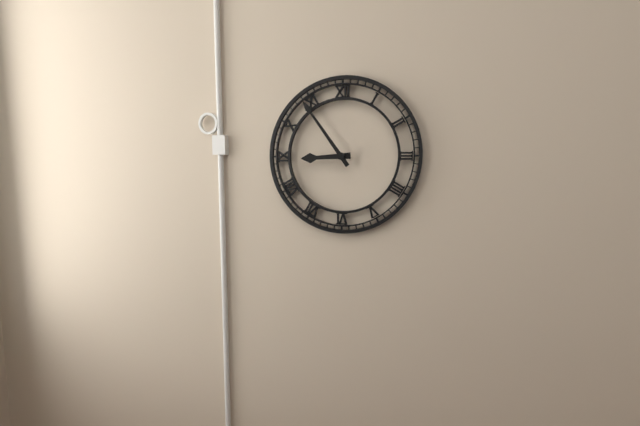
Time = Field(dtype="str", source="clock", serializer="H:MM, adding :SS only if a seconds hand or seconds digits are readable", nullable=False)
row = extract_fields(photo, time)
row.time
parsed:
8:54
